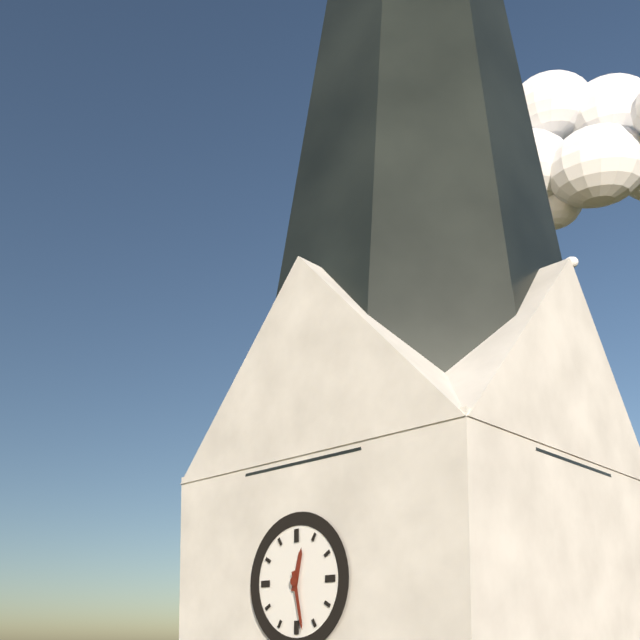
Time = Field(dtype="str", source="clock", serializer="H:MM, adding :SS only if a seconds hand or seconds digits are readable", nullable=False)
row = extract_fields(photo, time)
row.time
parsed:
12:28
